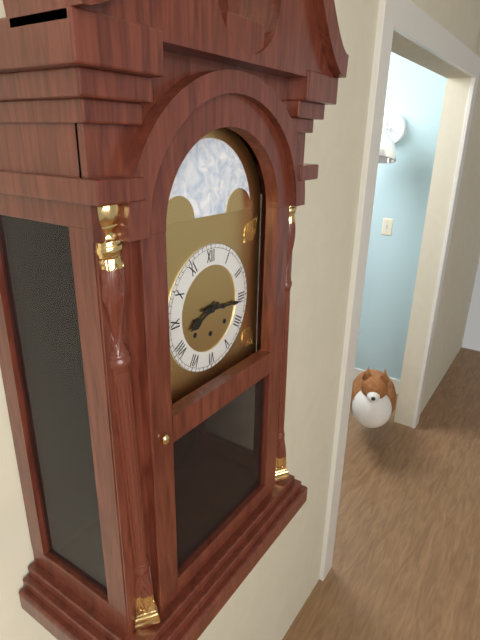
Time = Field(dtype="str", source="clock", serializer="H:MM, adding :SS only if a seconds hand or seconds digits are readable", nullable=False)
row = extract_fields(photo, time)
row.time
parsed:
8:16
